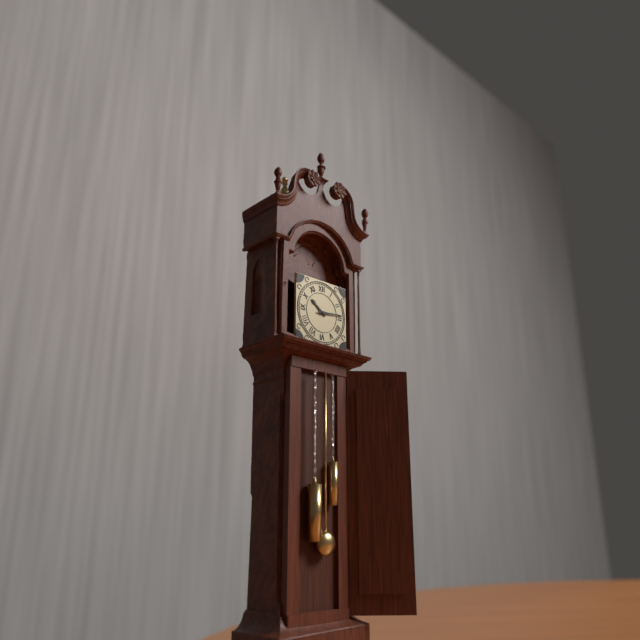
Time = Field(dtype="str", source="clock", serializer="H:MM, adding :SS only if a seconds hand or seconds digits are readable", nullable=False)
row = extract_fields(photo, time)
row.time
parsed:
10:14
